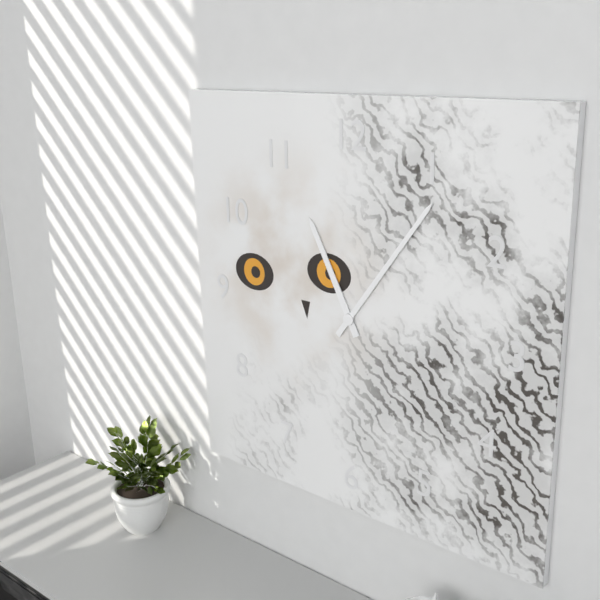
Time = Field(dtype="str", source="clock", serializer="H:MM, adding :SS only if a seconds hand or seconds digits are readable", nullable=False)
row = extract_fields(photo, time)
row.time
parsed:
11:06
